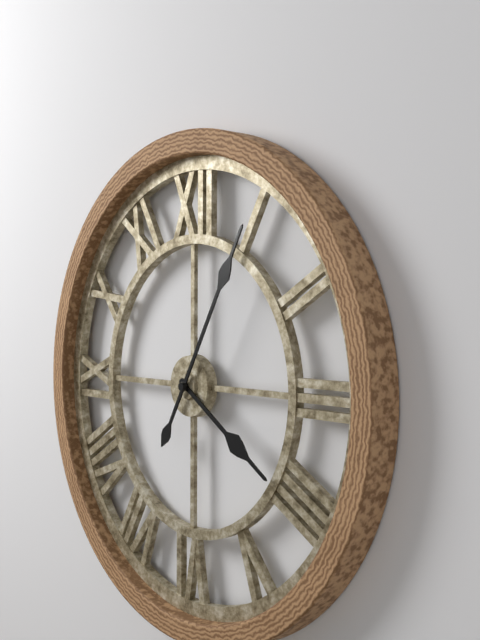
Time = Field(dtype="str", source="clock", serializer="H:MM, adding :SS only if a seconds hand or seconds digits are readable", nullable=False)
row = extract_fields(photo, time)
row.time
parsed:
4:05
